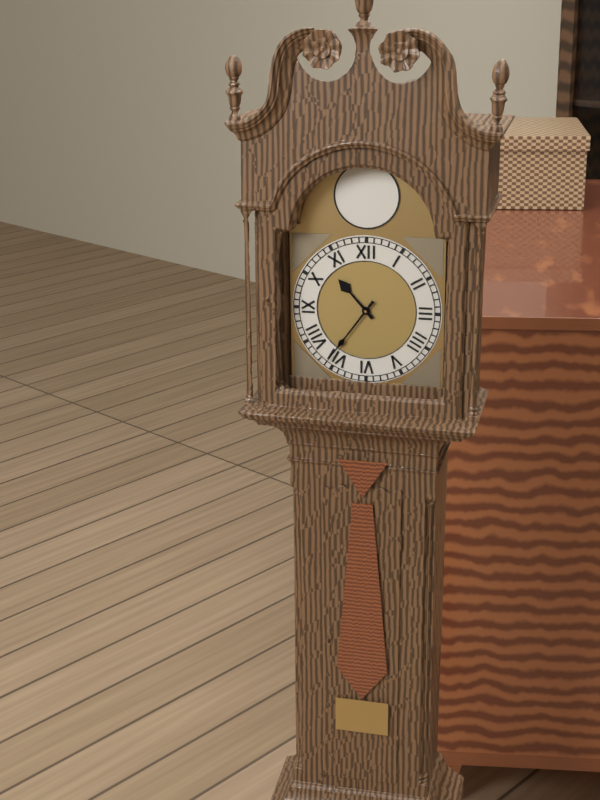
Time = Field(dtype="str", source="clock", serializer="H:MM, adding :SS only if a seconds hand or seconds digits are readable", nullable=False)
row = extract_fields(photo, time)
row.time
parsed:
10:36
